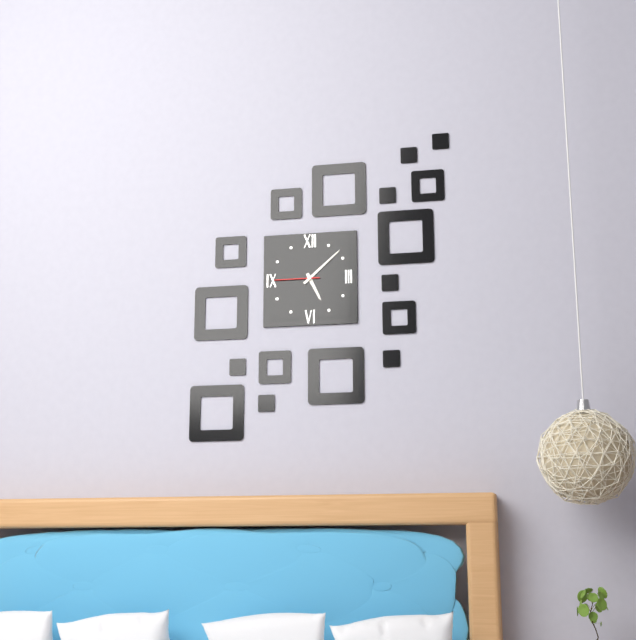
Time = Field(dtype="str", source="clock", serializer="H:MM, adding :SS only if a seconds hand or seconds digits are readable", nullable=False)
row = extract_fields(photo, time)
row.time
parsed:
5:08
